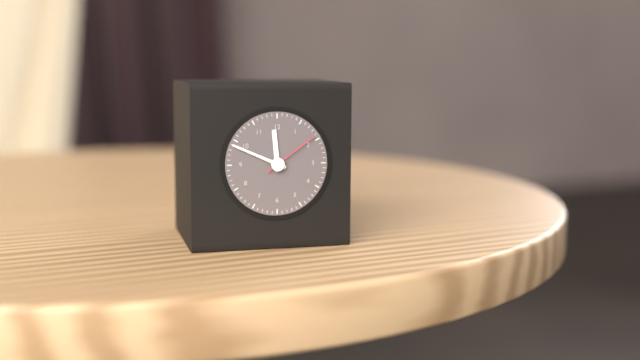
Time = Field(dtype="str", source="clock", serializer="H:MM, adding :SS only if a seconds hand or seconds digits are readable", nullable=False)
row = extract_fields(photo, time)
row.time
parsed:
11:49:09
